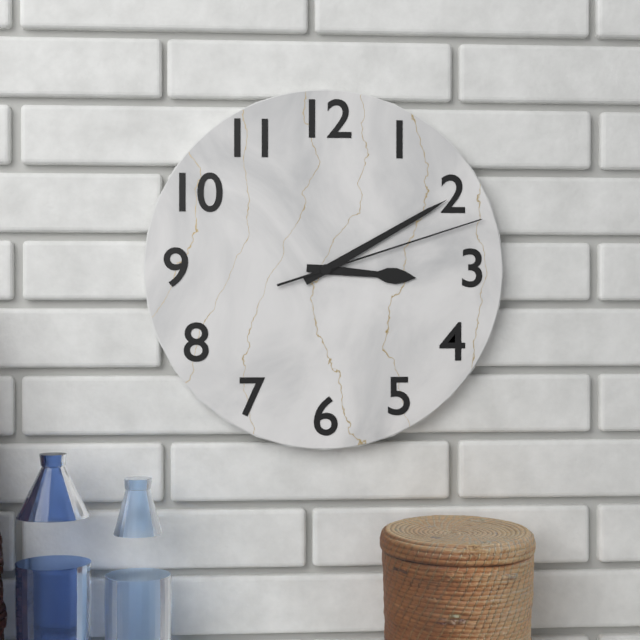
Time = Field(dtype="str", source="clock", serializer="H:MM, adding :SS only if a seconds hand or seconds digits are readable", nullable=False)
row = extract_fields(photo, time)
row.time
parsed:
3:10:12
